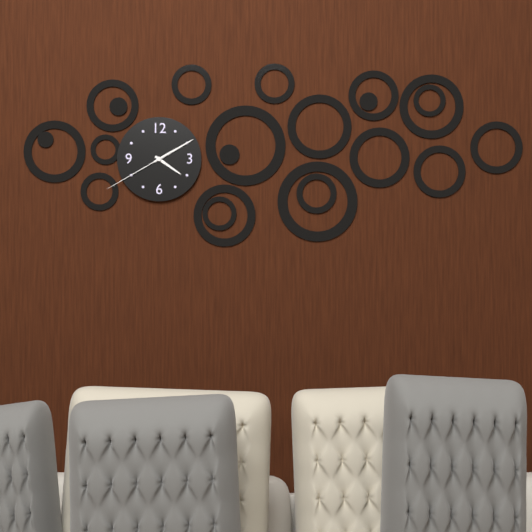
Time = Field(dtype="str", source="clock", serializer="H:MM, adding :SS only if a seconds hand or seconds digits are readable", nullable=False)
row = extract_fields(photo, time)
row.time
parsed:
4:10:40
